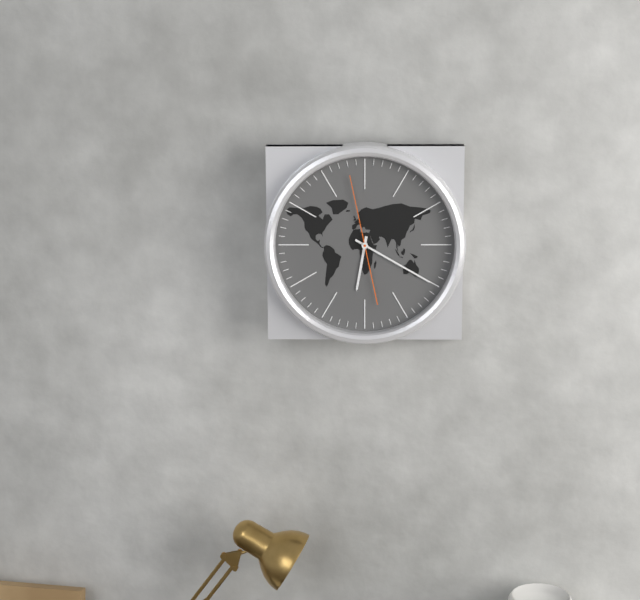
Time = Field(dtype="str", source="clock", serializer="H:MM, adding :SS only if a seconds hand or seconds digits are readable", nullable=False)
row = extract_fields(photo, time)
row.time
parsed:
6:20:58
